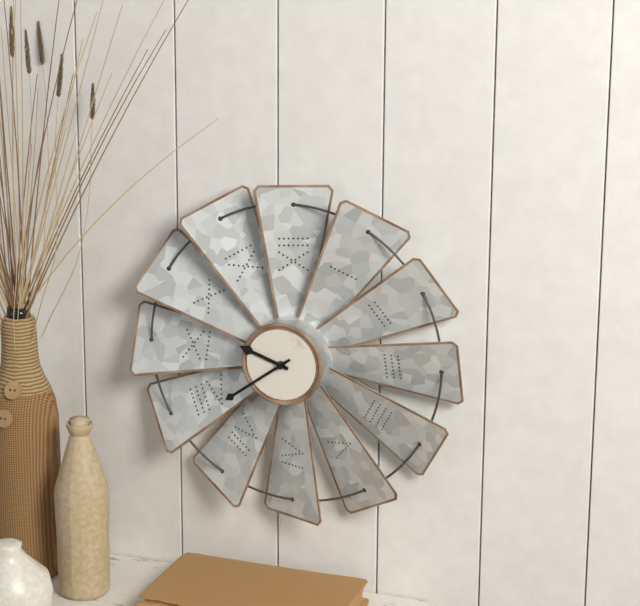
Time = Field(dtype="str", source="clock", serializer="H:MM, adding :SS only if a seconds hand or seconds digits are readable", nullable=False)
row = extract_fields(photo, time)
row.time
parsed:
9:39
